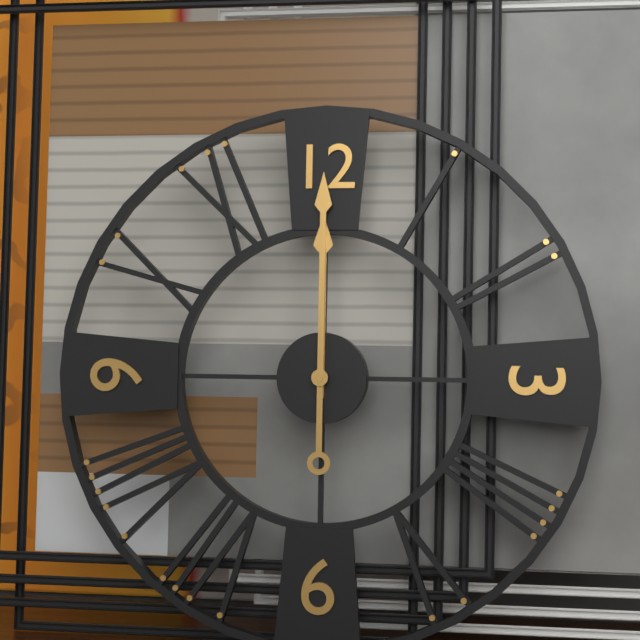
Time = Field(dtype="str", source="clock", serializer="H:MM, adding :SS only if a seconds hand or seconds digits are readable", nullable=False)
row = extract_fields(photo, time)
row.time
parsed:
12:00
